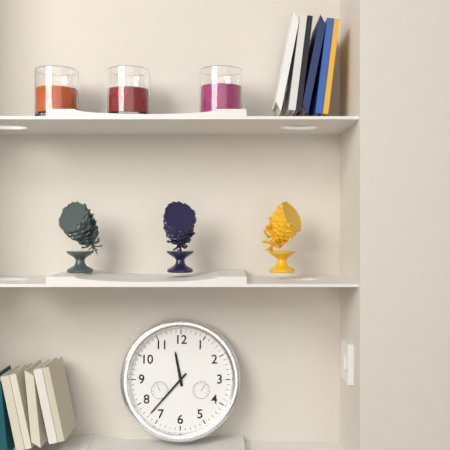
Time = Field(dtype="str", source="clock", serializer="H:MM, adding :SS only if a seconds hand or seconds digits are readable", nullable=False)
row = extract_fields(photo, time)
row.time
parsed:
11:37
